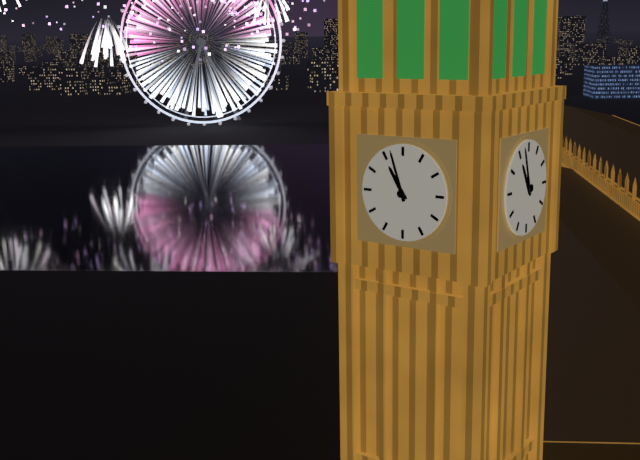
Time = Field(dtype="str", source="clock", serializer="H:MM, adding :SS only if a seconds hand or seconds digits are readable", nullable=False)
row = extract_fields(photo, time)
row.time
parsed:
10:57
